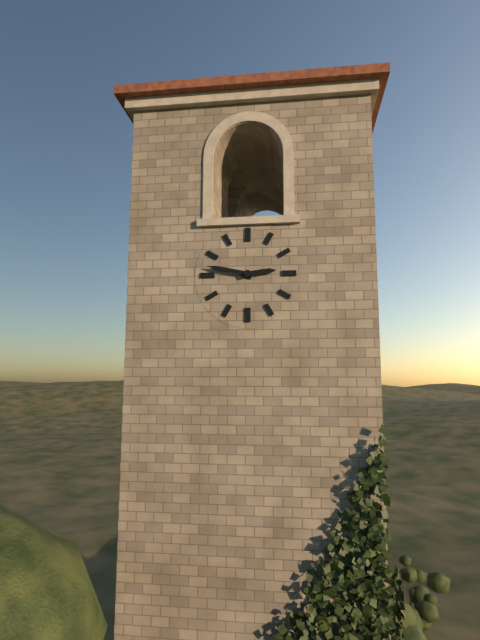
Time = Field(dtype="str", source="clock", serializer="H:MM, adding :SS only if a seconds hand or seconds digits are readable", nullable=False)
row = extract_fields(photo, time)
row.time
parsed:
2:47
